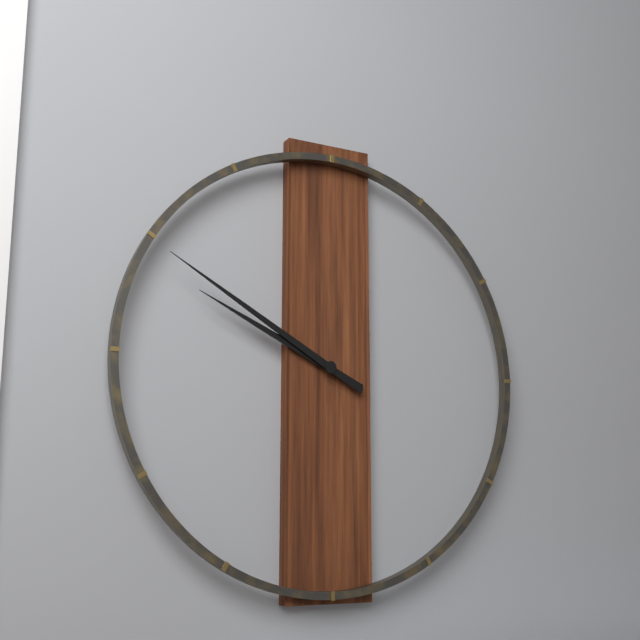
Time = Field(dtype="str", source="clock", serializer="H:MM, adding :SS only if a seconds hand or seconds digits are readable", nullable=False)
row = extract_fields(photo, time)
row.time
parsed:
9:50
